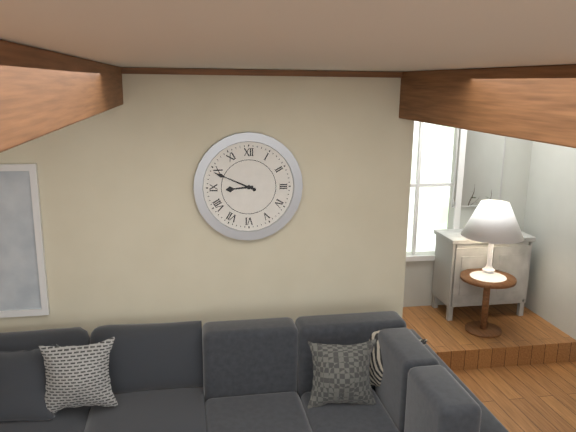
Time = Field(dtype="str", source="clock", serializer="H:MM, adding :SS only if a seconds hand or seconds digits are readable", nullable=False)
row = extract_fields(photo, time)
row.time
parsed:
8:49
